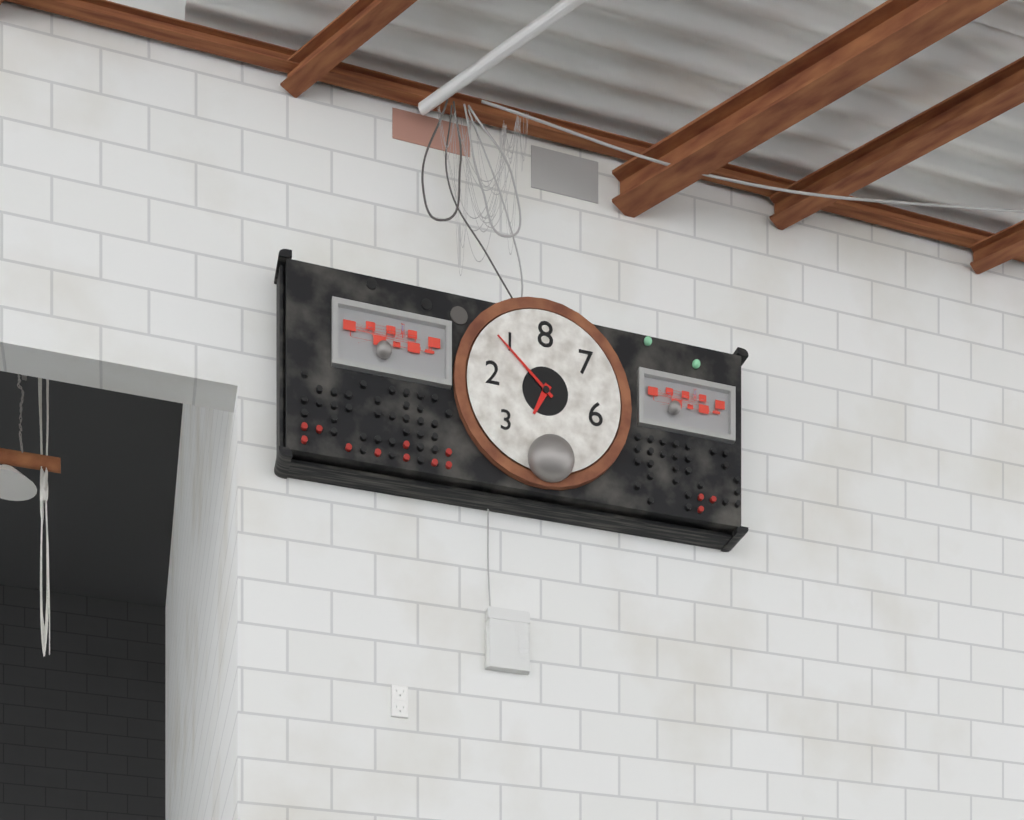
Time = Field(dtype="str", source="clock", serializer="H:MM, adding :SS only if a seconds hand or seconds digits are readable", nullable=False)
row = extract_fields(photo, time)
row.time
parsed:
6:52
